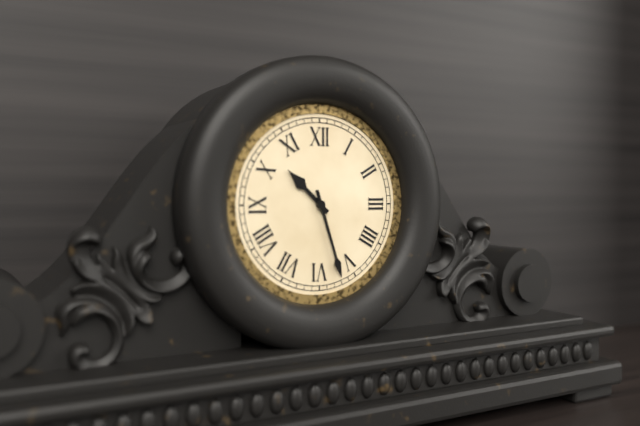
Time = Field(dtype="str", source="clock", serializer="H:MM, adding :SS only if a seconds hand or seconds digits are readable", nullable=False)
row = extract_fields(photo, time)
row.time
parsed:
10:27
